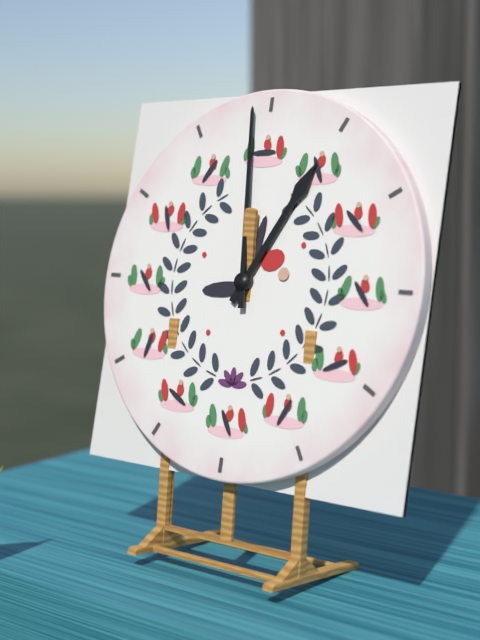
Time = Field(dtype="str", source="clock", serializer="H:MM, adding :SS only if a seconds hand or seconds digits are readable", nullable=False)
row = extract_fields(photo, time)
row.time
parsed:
12:59
